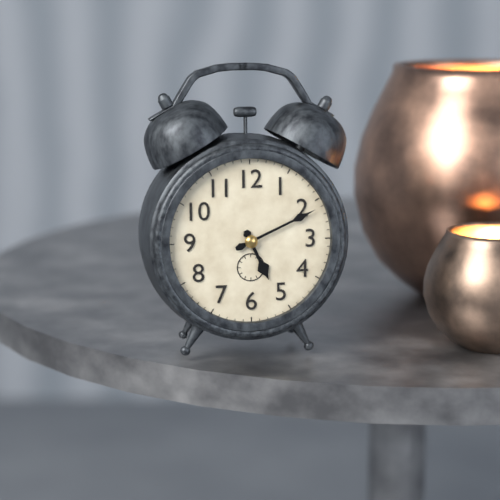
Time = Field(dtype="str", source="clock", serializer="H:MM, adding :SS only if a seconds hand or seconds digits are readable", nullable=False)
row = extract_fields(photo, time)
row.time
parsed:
5:11
